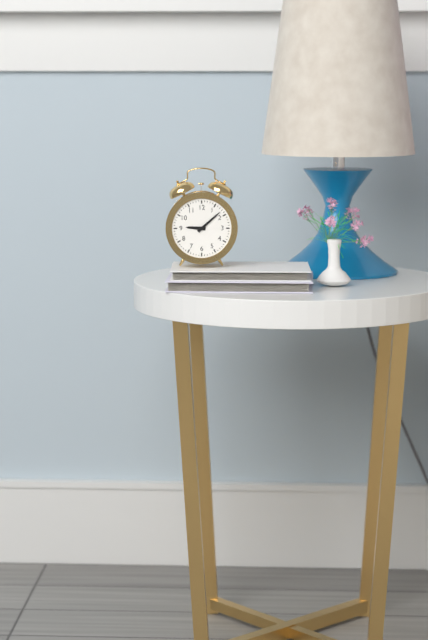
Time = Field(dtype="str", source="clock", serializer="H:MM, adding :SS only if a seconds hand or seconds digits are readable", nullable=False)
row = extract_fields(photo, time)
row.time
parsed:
9:08
